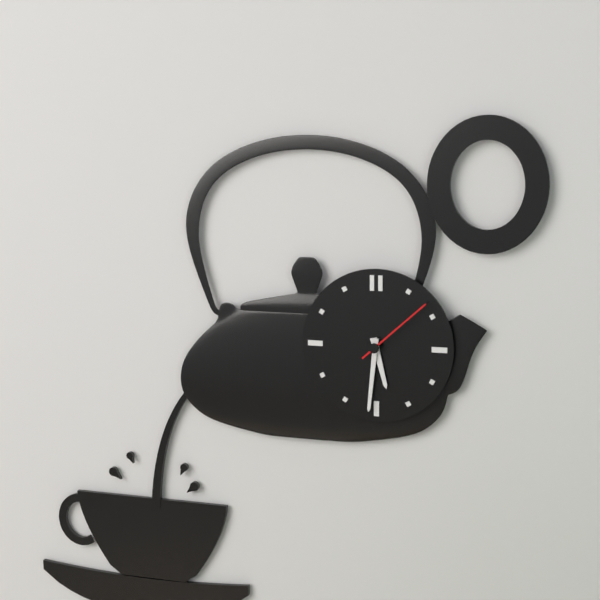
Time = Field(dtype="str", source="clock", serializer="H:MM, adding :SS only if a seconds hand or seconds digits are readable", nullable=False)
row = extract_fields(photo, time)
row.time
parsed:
5:31:08
